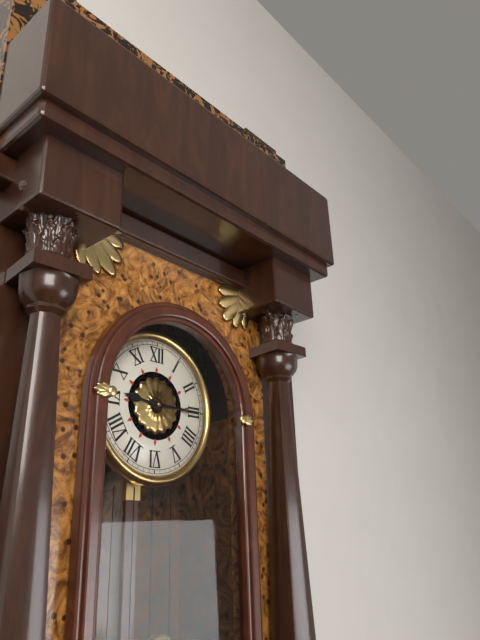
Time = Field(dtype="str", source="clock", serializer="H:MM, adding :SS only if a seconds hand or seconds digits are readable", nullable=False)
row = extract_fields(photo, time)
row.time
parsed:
9:15
